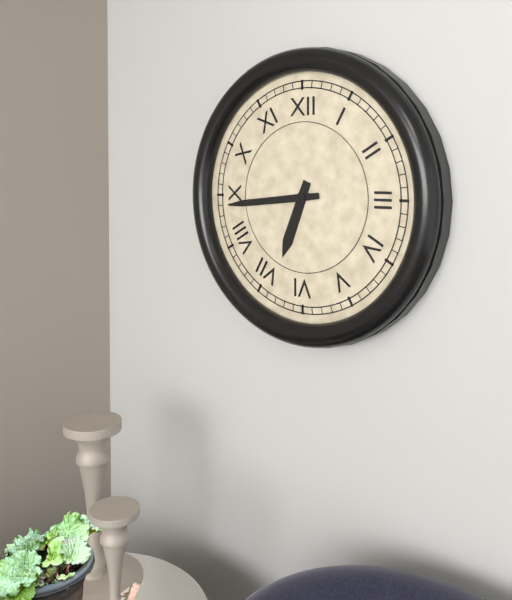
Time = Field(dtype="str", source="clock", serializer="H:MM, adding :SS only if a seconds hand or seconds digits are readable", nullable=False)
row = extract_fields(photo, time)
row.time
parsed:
6:44
